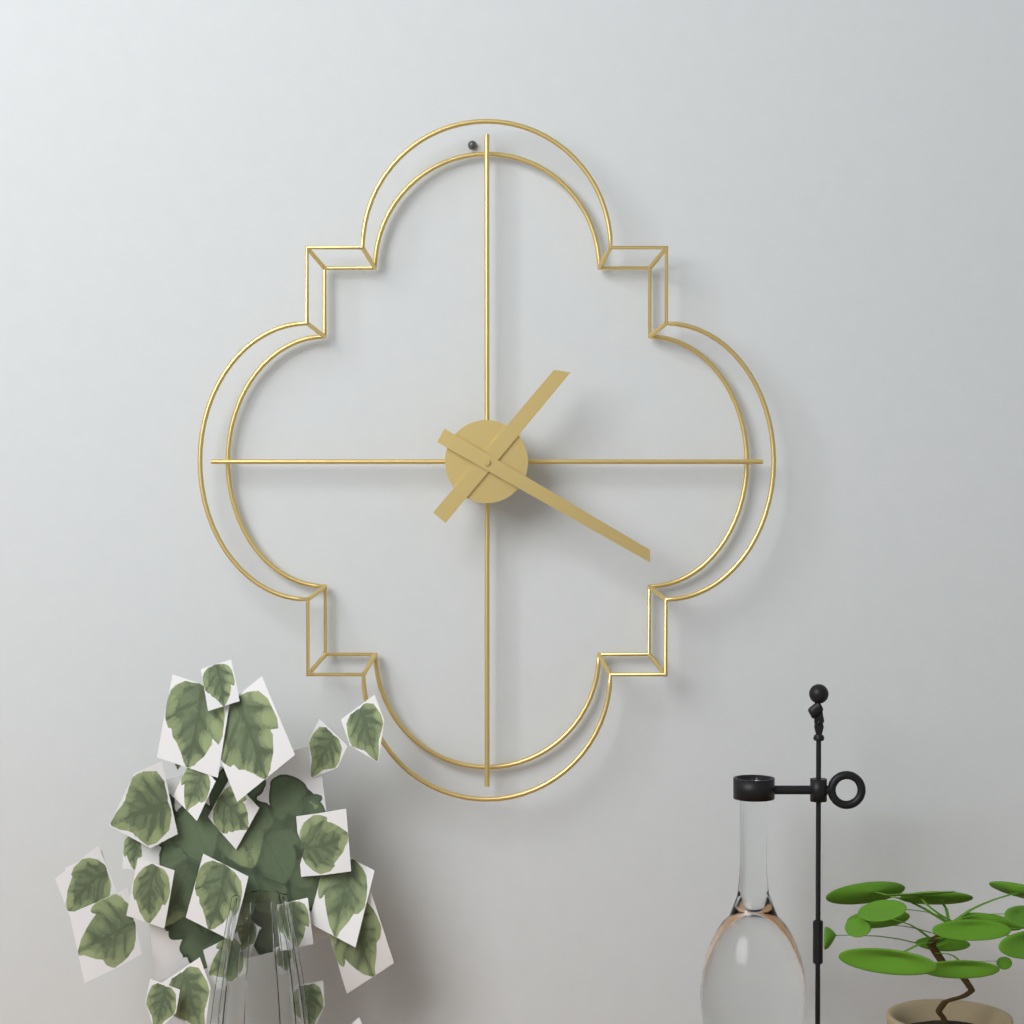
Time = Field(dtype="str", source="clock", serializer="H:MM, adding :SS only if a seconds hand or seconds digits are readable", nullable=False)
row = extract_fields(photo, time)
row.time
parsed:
1:20
